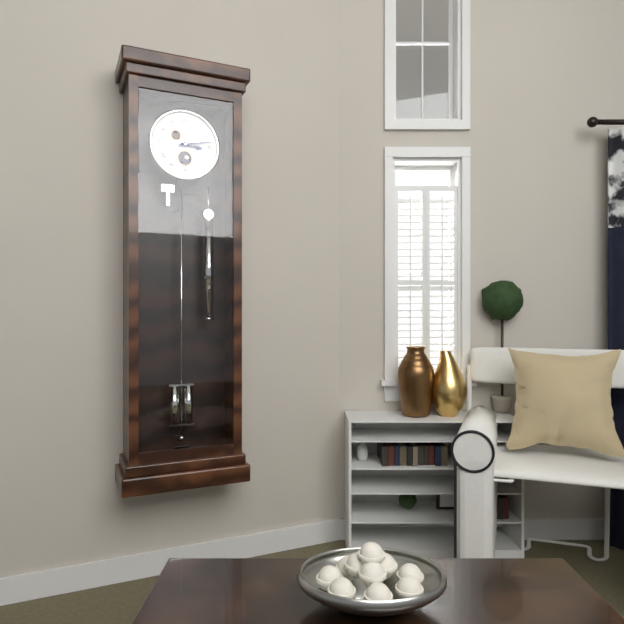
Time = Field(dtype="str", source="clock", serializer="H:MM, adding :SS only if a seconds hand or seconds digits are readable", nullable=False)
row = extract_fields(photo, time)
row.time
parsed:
3:13
